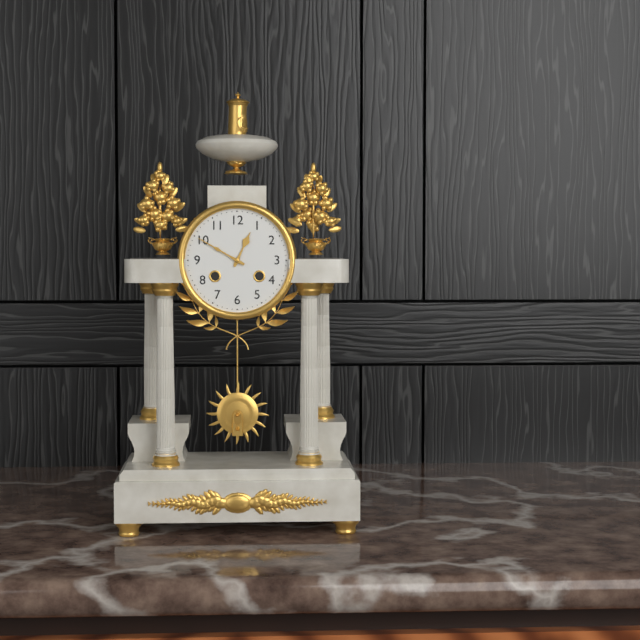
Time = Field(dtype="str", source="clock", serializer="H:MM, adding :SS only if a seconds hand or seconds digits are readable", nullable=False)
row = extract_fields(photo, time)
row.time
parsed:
12:50
